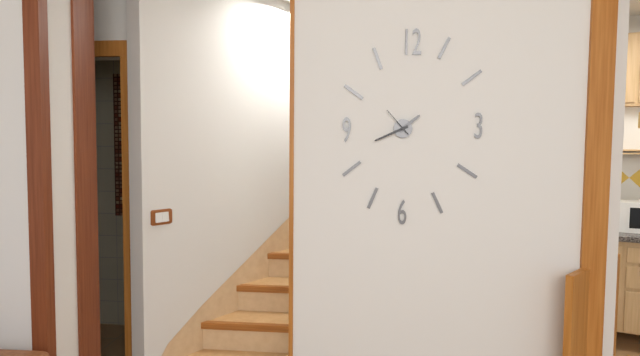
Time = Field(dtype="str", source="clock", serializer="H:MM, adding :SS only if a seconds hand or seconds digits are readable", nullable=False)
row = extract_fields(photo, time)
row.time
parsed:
1:41
